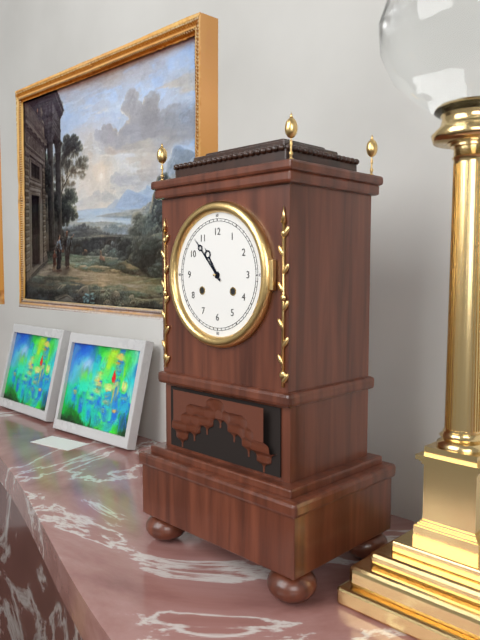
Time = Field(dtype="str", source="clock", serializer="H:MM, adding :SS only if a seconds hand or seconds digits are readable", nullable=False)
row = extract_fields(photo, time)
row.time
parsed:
10:53
